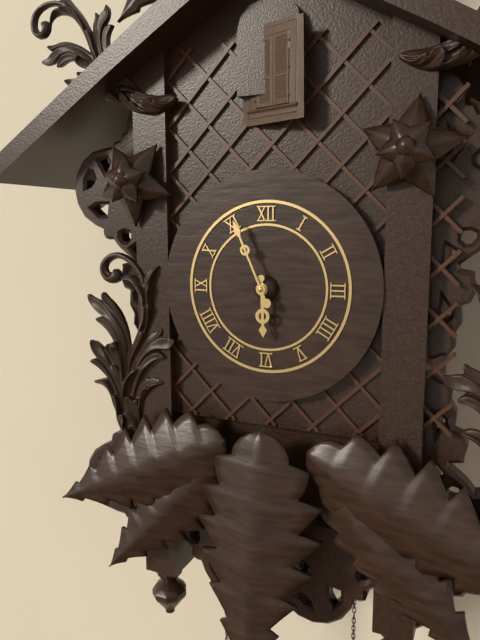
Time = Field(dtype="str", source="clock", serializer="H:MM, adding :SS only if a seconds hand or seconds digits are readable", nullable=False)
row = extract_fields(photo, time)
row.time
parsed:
5:56
